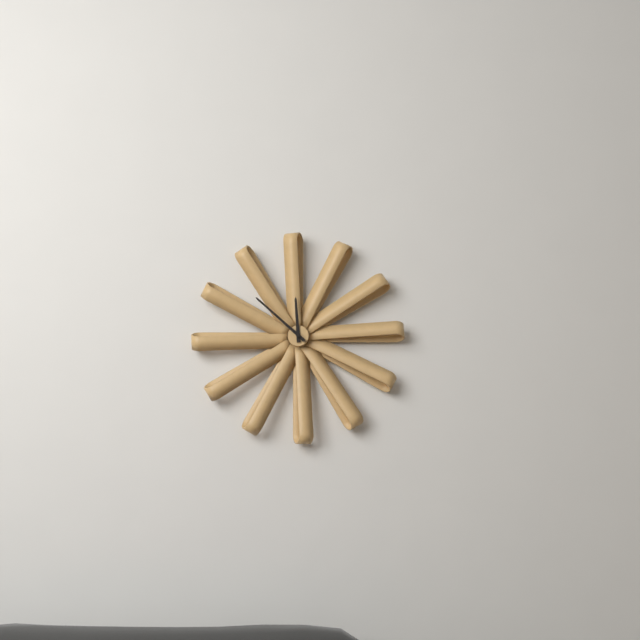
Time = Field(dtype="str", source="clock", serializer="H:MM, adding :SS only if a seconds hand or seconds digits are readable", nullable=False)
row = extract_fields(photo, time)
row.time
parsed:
11:52
